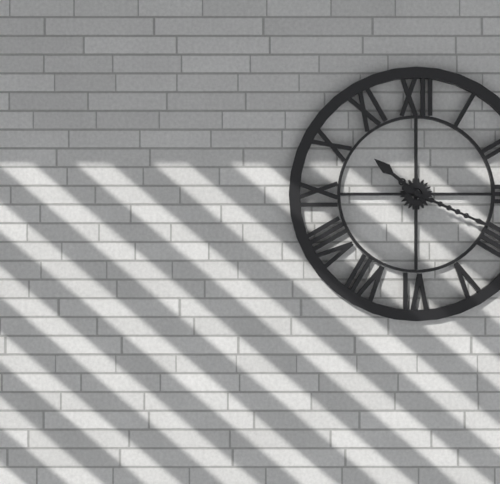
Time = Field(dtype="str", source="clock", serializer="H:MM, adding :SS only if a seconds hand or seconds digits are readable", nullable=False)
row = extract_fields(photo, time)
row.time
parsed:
10:19
